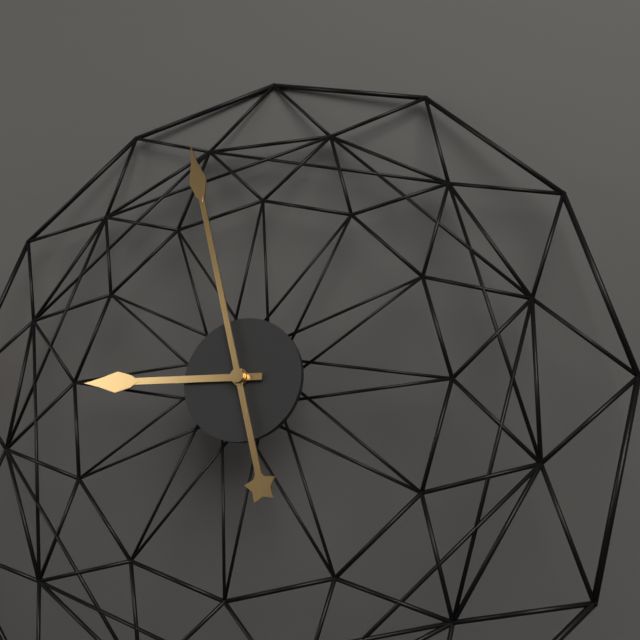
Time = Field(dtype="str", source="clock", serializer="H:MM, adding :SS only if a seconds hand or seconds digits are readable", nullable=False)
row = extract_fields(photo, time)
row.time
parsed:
8:57
